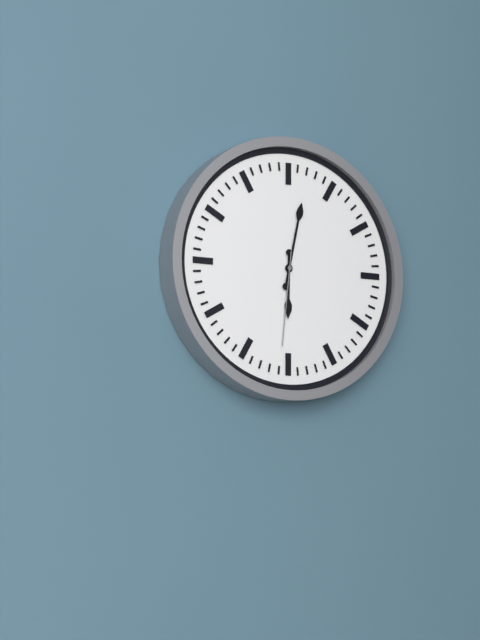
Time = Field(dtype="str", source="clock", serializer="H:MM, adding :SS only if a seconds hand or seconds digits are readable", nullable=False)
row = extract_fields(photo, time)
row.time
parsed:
6:02:31
